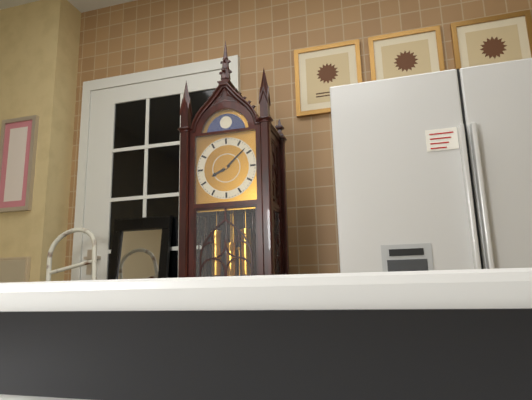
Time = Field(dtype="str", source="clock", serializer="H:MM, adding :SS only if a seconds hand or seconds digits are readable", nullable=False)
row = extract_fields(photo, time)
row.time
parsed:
8:08
